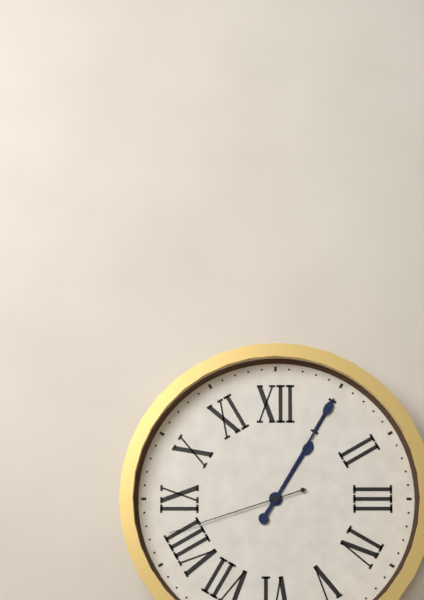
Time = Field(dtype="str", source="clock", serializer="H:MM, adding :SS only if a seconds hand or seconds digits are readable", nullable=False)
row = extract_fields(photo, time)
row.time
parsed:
1:05:42
